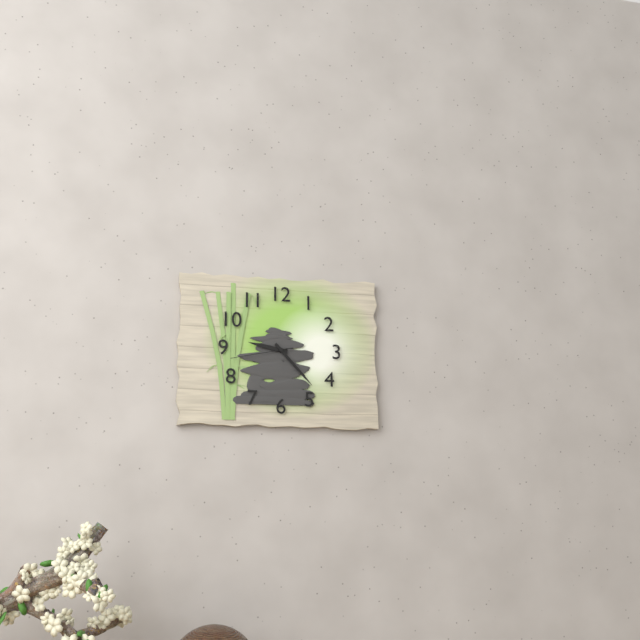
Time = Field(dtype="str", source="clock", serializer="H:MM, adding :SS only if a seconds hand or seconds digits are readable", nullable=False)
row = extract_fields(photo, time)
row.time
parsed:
9:23:43
